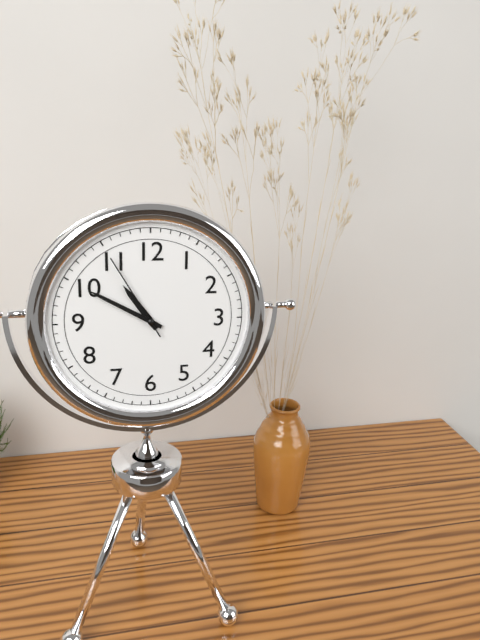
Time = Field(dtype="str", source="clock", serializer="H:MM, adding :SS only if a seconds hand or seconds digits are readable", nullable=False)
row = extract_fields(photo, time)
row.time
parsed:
10:50:55
